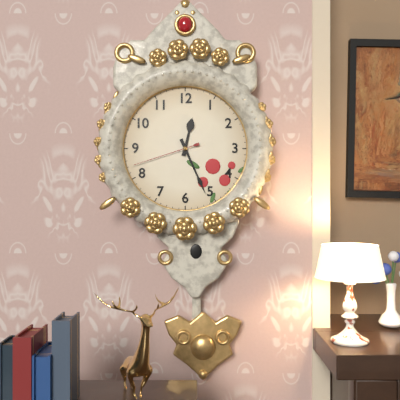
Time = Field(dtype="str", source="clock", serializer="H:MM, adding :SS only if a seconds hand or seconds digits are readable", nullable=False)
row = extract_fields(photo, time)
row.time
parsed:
12:26:42
